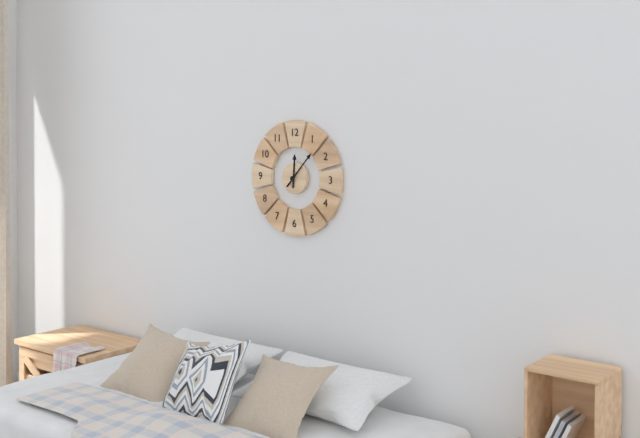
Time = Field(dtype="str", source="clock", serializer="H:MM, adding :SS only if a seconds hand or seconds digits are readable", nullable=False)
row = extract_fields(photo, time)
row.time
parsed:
12:07
